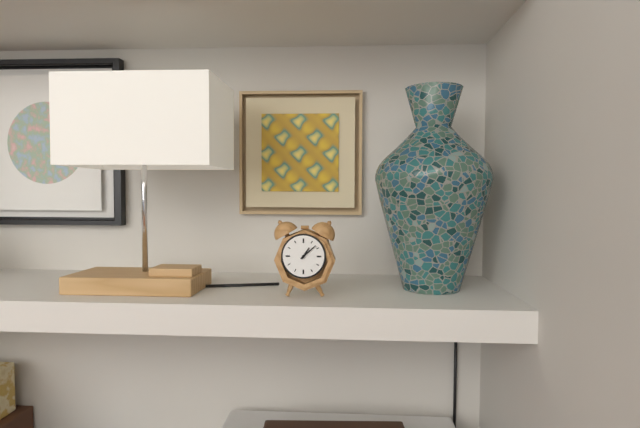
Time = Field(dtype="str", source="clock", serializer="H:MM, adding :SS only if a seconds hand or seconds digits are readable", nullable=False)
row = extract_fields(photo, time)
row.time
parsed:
1:08
